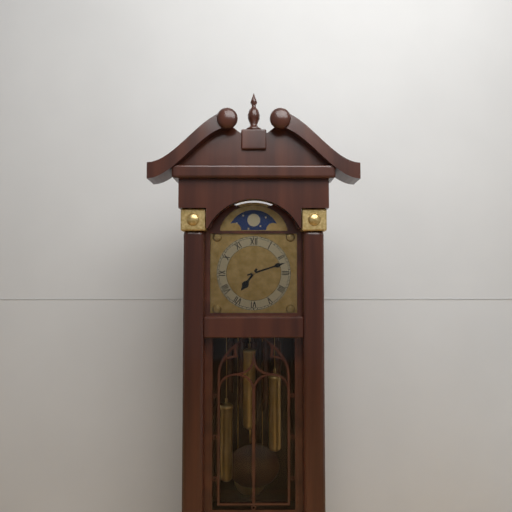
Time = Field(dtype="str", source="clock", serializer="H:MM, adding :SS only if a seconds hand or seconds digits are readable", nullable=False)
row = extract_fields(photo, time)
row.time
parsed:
7:12
